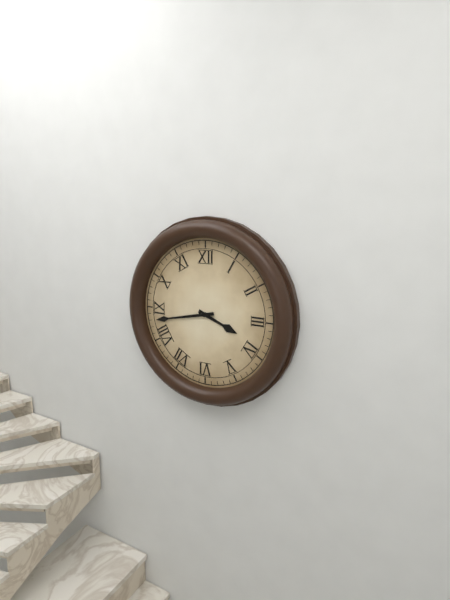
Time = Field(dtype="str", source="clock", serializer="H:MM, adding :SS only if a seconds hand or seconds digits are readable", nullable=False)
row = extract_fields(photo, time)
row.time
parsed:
3:43
